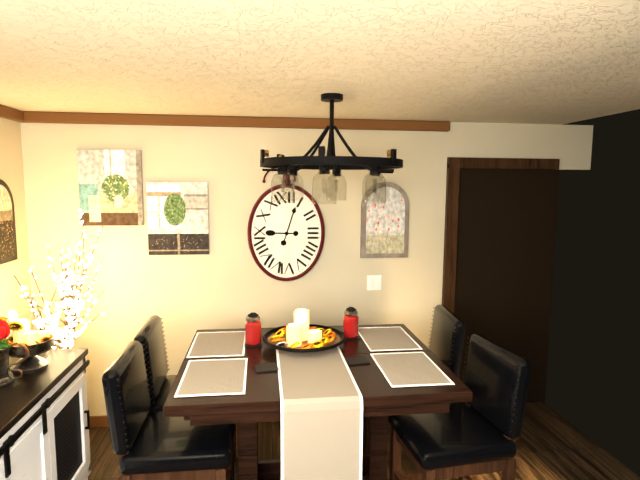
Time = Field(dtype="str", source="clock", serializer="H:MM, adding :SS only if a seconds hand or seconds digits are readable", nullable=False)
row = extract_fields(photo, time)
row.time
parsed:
9:03
